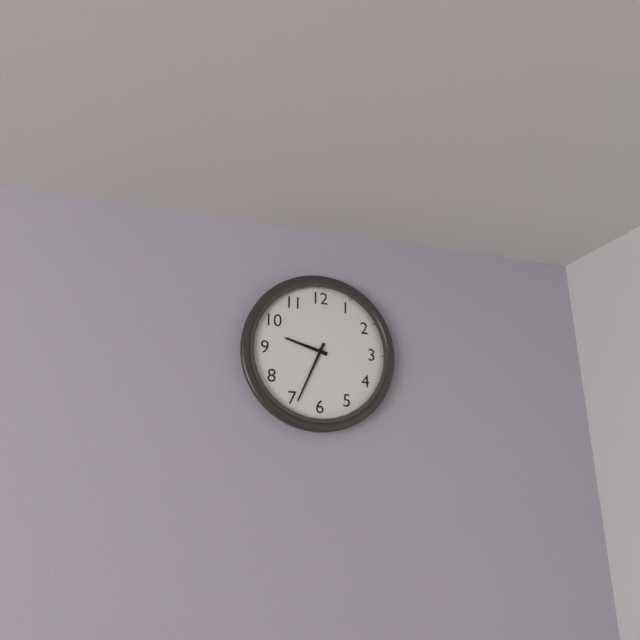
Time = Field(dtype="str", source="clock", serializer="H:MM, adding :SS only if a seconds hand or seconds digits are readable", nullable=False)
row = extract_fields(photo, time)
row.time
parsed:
9:34
